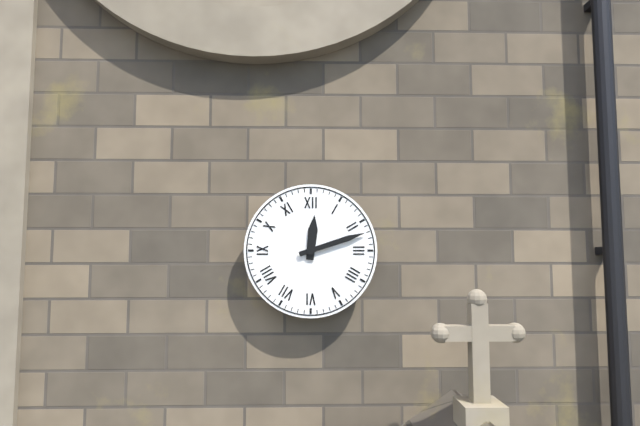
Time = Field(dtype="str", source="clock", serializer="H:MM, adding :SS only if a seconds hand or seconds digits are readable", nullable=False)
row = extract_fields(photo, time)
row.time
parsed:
12:12
